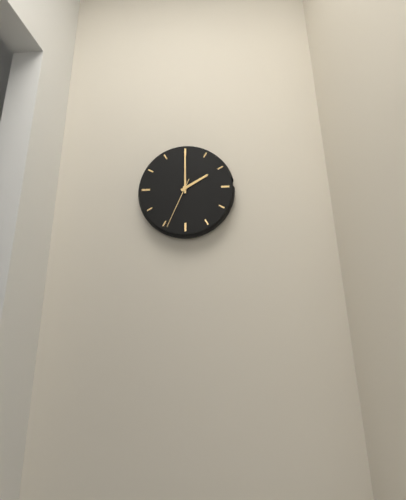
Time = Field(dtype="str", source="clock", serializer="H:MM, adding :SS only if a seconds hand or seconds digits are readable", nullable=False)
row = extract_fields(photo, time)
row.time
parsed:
2:00:34
